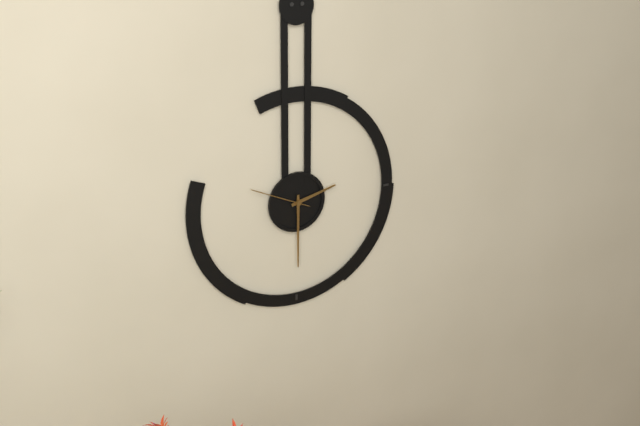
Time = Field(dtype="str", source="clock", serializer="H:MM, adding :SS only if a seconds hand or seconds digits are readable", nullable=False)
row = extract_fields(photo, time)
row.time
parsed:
2:30:49
